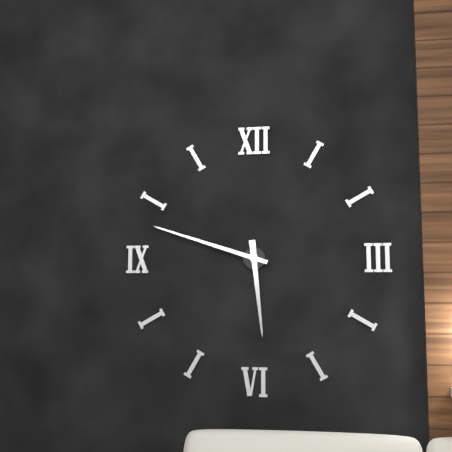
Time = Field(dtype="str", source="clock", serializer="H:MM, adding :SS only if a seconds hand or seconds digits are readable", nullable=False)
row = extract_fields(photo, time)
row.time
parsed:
5:48
